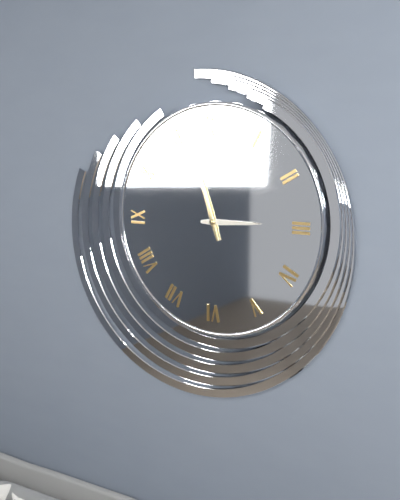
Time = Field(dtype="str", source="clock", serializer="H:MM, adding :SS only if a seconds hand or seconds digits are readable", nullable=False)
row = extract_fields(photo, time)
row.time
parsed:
2:57
